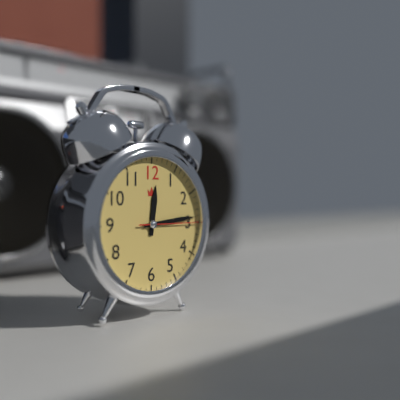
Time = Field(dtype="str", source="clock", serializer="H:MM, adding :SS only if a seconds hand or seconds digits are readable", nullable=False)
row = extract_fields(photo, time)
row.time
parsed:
12:14:15
